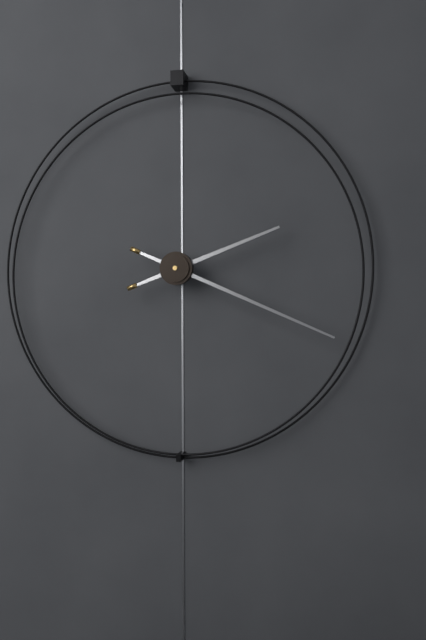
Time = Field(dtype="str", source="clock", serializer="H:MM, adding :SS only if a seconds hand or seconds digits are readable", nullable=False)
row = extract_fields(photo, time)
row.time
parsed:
2:19
